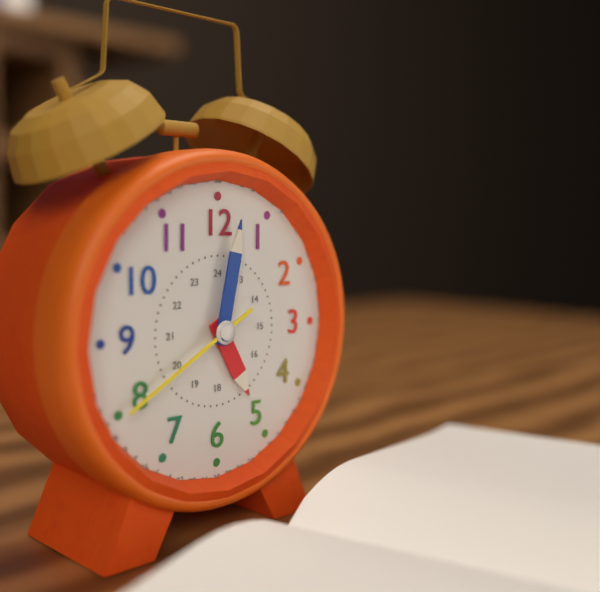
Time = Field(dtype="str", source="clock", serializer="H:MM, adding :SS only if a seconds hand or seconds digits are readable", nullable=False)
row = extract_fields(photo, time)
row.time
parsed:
5:02:40
